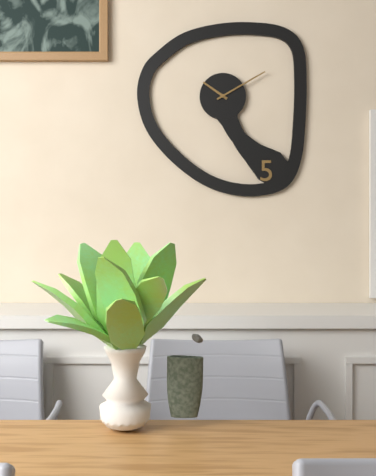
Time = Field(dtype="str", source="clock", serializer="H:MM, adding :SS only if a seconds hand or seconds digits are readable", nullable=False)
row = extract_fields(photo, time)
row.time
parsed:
10:10
